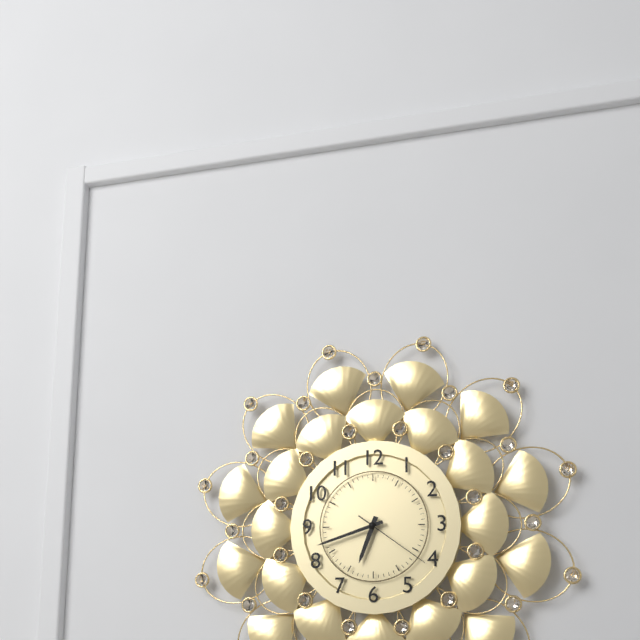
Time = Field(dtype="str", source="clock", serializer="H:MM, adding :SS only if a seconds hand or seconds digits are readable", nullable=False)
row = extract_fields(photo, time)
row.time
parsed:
6:42:21
